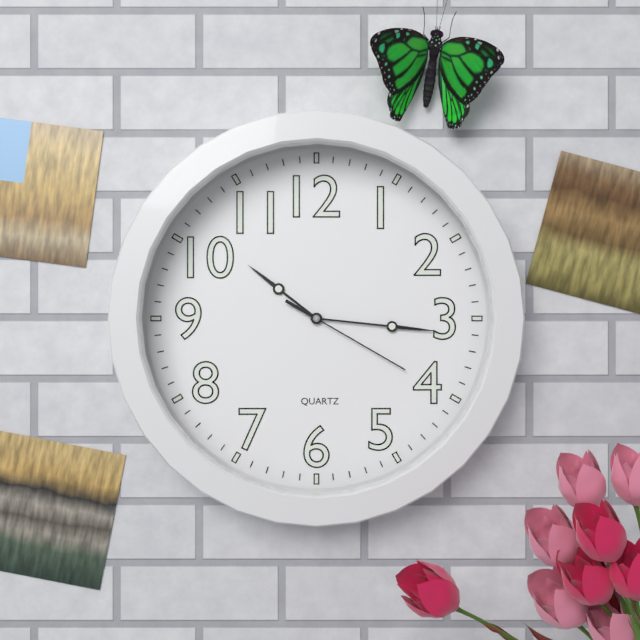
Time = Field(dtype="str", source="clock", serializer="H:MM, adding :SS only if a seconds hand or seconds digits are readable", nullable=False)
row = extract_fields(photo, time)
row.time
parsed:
10:16:20
